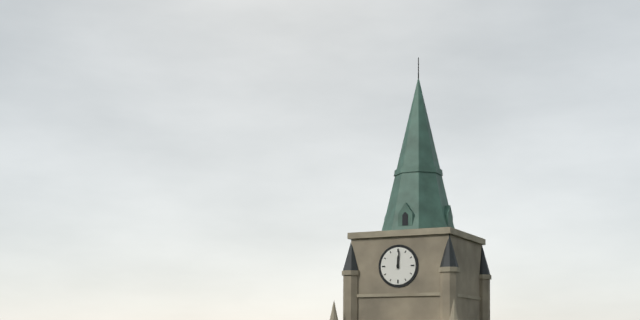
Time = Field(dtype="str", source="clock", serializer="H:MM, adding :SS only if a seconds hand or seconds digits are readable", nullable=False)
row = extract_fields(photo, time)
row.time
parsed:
12:01
